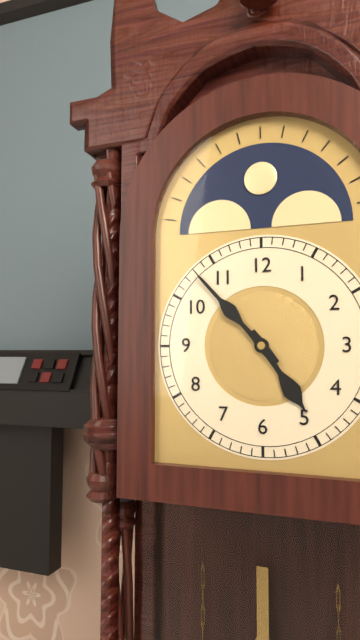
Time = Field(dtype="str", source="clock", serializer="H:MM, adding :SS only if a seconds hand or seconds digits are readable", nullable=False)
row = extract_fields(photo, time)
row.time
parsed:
4:53
